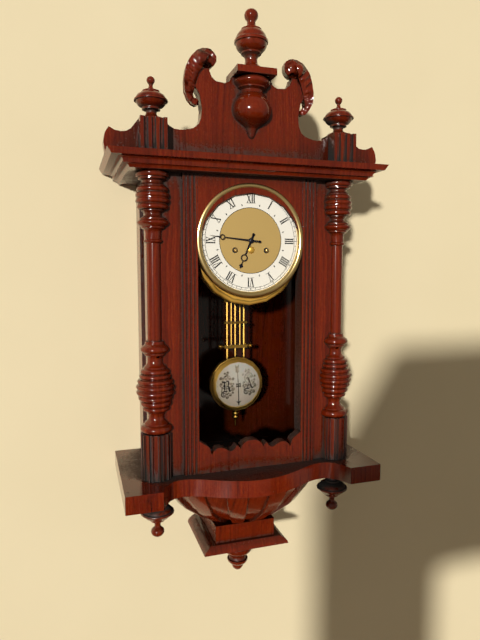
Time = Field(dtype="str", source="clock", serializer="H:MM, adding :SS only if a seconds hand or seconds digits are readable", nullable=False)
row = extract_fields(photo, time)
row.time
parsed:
6:46
